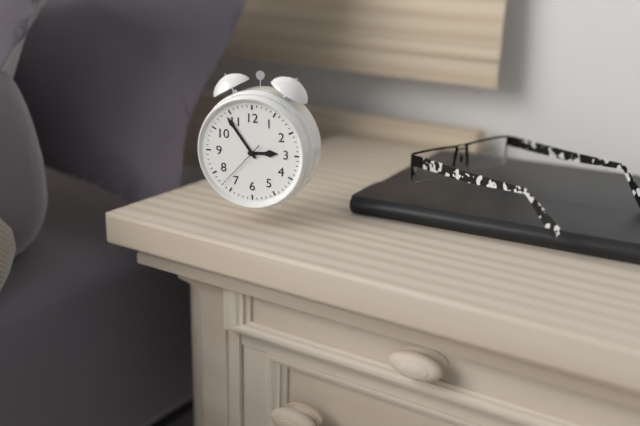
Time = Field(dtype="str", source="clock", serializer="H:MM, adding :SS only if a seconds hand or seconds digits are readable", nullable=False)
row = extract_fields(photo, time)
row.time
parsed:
2:54:37
